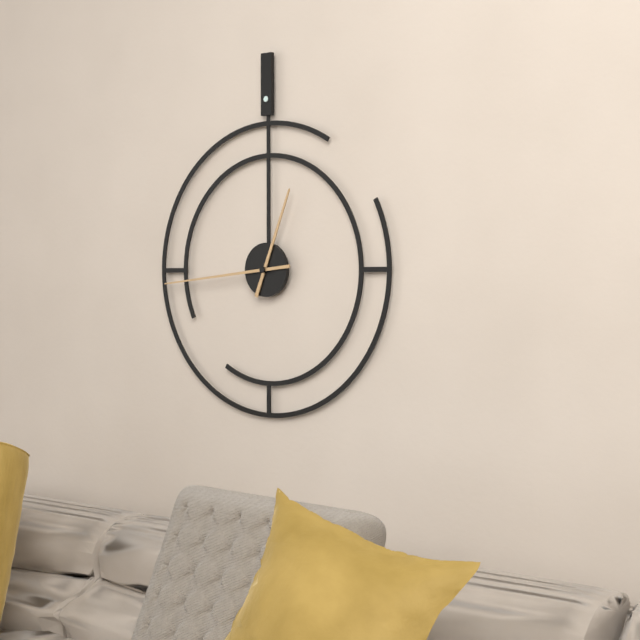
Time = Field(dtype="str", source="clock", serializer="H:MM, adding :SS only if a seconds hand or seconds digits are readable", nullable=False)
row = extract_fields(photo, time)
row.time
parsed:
12:44
